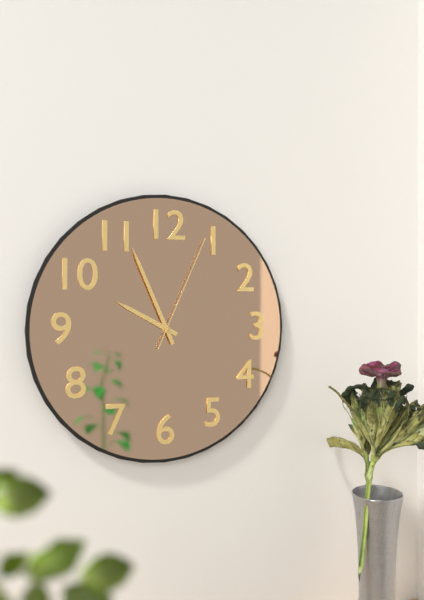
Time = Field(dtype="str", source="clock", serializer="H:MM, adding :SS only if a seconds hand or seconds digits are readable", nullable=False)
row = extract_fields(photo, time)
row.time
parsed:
9:56:04
